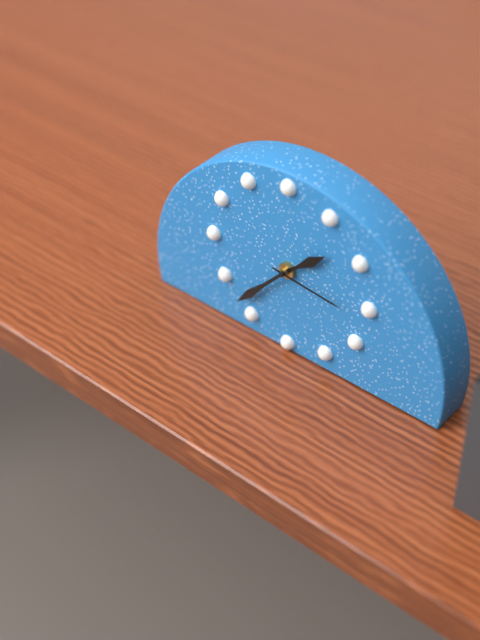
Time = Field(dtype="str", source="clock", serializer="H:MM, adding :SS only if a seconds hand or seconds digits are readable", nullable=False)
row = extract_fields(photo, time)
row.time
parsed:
1:37:16
